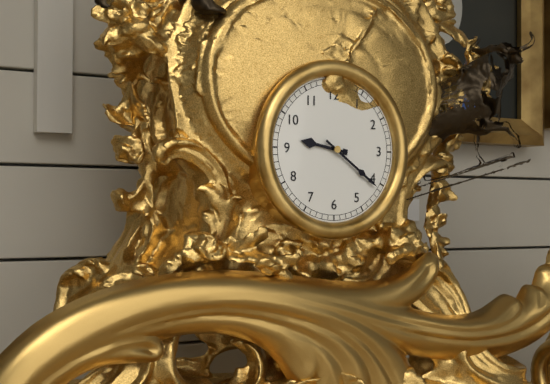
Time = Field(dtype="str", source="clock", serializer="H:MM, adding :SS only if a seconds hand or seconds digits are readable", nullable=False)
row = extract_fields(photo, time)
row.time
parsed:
9:21
